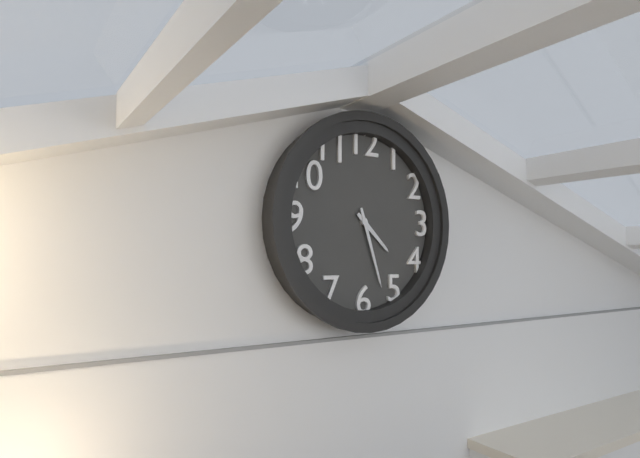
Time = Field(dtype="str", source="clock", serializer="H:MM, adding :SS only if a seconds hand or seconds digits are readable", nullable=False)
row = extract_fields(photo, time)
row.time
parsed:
4:27
